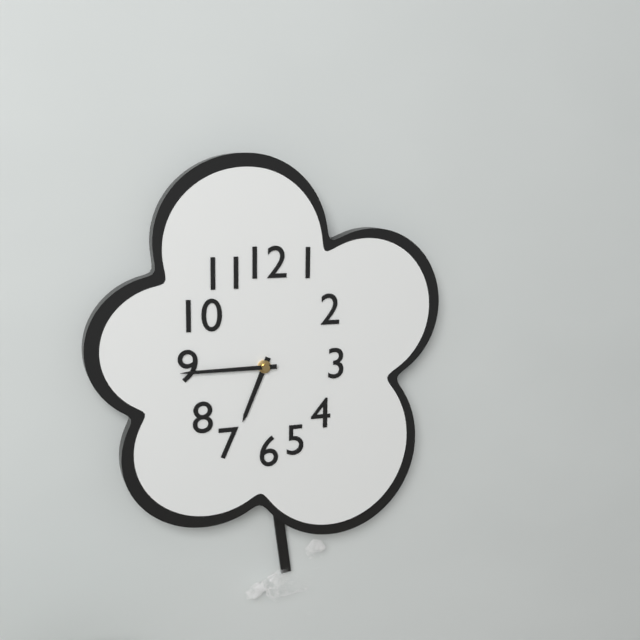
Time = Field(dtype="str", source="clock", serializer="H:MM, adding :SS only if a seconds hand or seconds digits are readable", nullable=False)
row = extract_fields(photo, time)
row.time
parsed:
6:45
